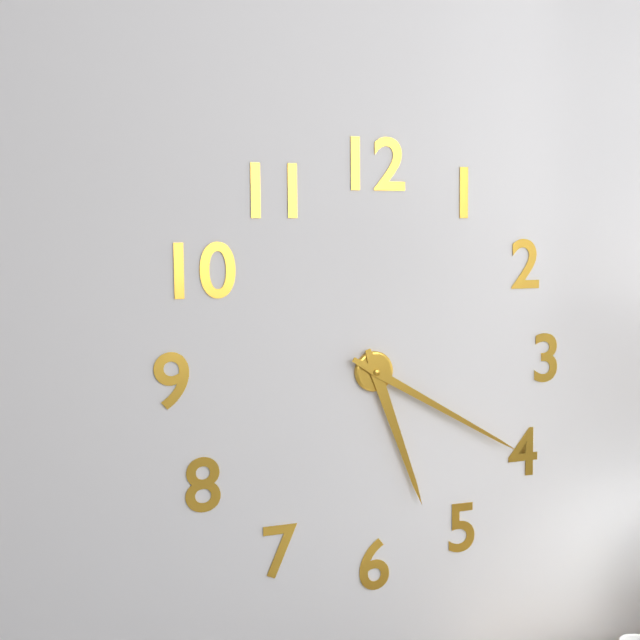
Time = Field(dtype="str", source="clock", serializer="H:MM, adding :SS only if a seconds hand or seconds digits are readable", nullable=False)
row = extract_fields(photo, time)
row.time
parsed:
5:20
